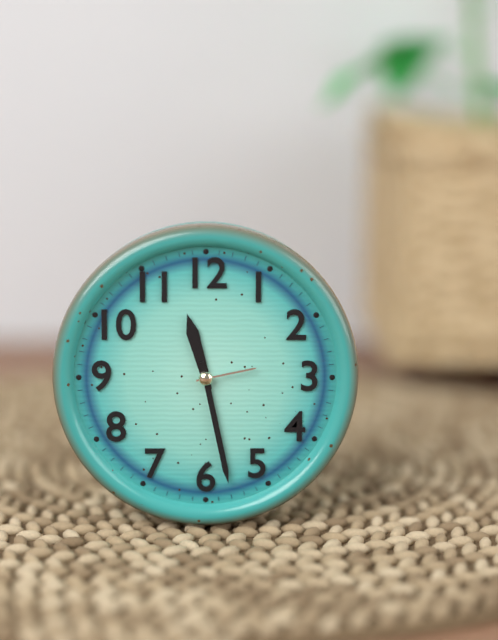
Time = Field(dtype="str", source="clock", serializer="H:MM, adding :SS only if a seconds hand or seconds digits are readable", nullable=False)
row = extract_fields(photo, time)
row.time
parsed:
11:28:13
